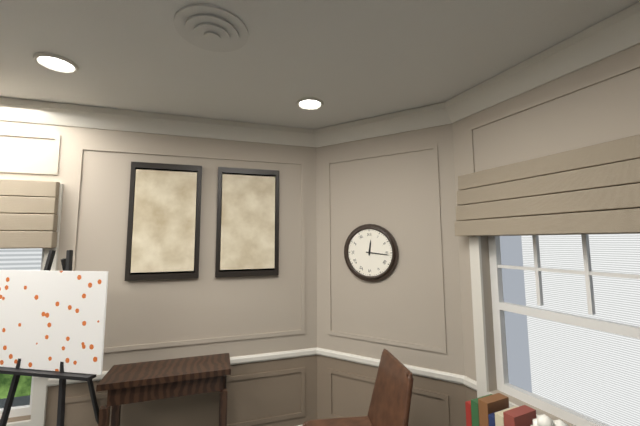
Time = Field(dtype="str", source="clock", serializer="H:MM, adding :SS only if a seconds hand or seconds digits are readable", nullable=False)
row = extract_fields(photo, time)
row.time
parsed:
12:16
